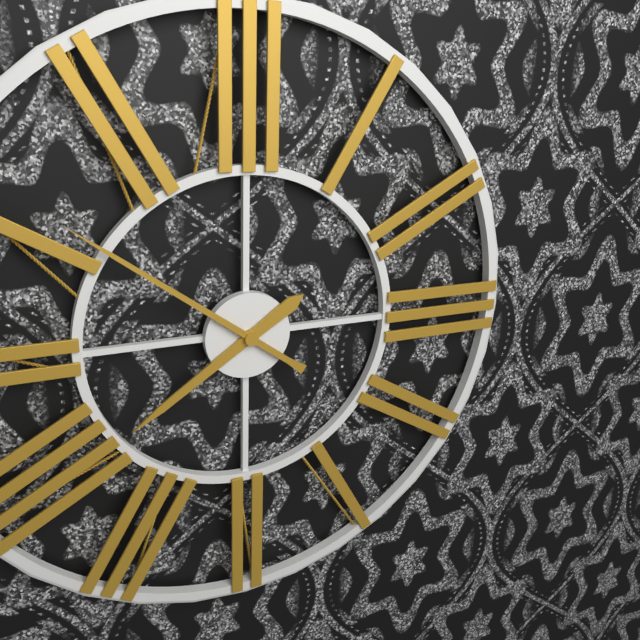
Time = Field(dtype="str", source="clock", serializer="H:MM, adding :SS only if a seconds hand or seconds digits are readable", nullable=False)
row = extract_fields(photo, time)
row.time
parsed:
7:51
